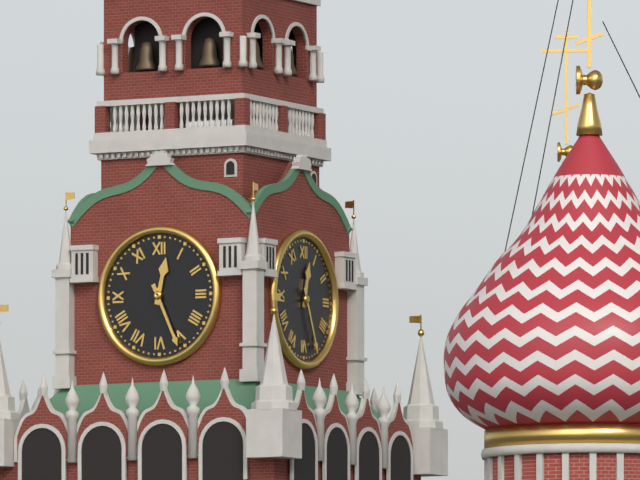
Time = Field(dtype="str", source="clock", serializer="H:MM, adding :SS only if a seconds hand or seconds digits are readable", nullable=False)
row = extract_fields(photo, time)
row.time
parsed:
12:26
